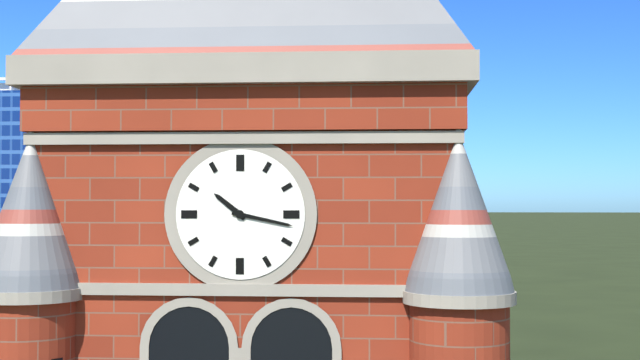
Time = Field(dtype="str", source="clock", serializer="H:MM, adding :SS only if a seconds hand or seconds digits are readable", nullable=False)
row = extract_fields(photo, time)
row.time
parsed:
10:17
